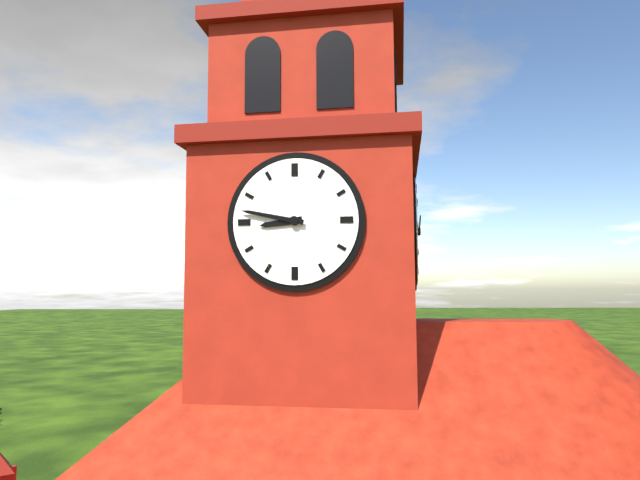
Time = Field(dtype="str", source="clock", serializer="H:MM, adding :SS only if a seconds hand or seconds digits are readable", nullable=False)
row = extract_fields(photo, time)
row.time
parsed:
8:47
